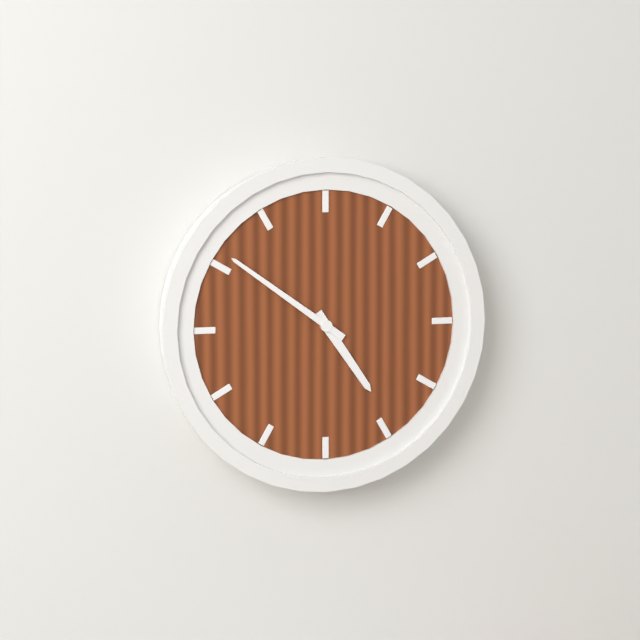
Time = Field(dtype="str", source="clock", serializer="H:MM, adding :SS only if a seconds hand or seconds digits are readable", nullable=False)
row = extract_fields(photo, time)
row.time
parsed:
4:51
